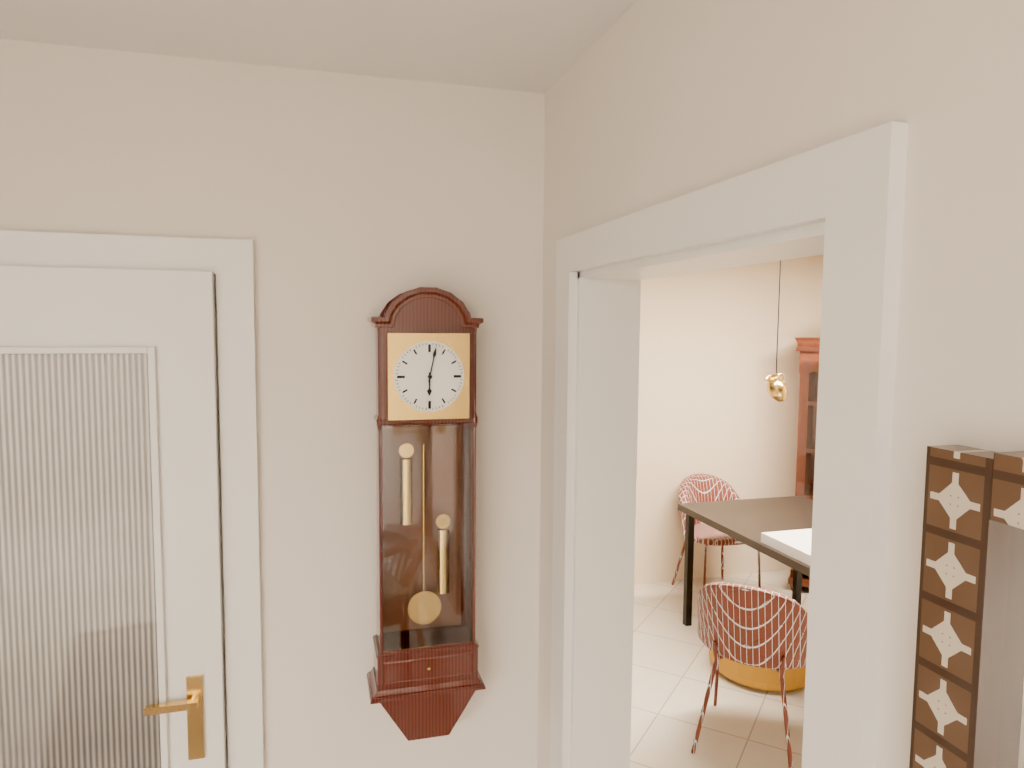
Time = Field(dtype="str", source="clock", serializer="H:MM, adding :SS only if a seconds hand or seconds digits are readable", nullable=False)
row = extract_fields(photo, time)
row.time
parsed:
6:02
